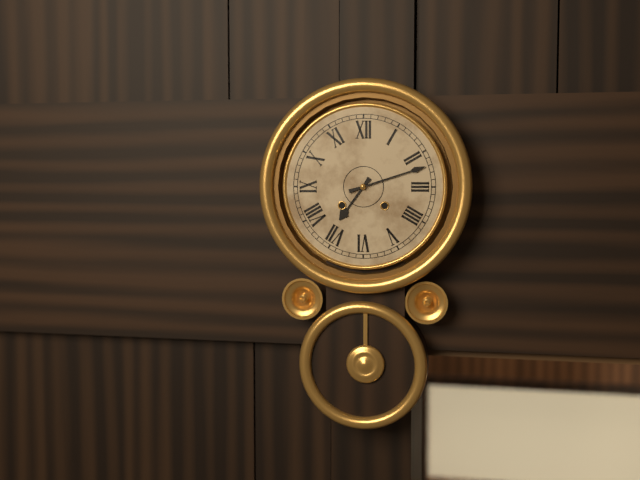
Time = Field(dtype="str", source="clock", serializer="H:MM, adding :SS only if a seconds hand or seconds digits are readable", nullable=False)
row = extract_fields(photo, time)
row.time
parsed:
7:12
